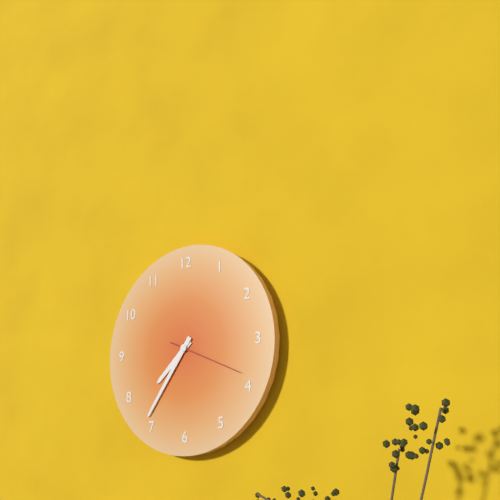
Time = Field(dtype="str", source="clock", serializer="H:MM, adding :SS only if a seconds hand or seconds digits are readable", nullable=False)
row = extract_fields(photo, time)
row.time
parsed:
7:36:19
